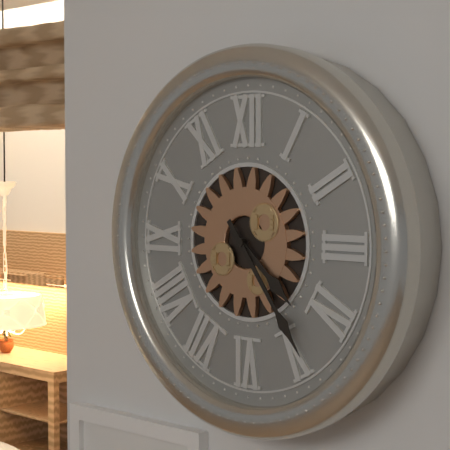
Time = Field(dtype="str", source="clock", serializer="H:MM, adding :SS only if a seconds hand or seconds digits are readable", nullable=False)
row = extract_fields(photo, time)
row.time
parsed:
4:24
